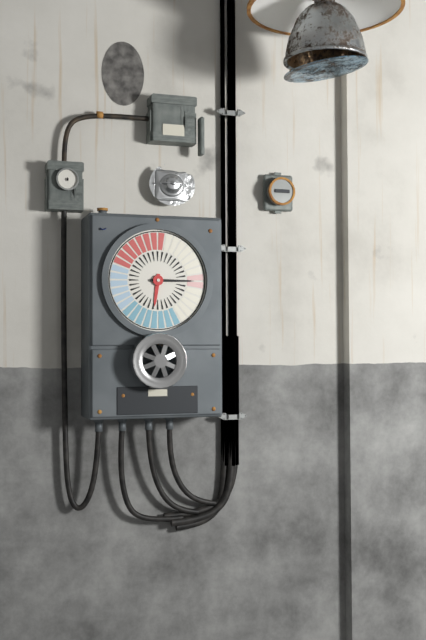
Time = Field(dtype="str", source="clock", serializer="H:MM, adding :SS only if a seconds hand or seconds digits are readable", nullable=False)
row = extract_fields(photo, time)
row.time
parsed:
6:15
